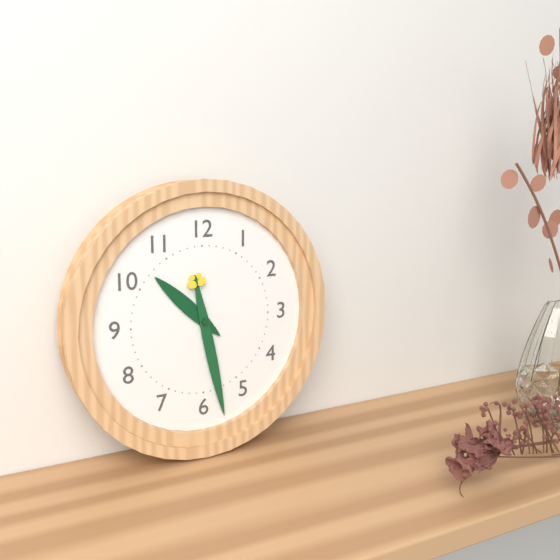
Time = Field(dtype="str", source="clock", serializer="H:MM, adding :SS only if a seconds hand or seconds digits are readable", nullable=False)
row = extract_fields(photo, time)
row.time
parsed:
10:28
